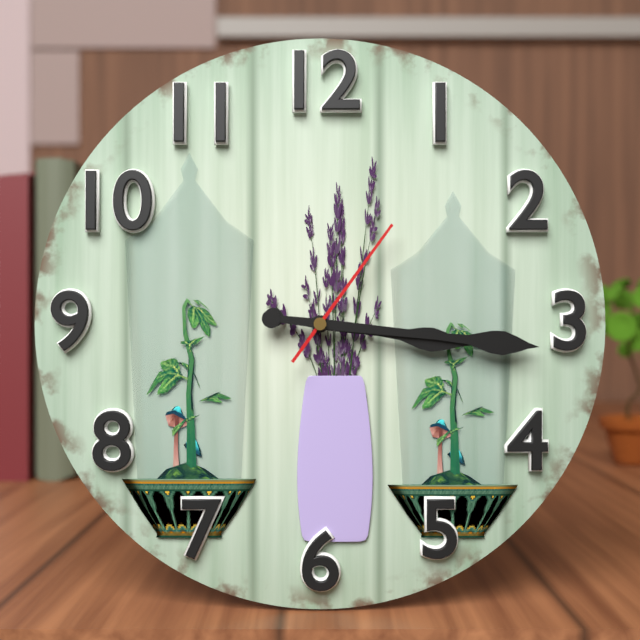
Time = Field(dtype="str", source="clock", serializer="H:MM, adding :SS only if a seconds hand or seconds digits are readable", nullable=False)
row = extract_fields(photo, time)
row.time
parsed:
3:16:06
